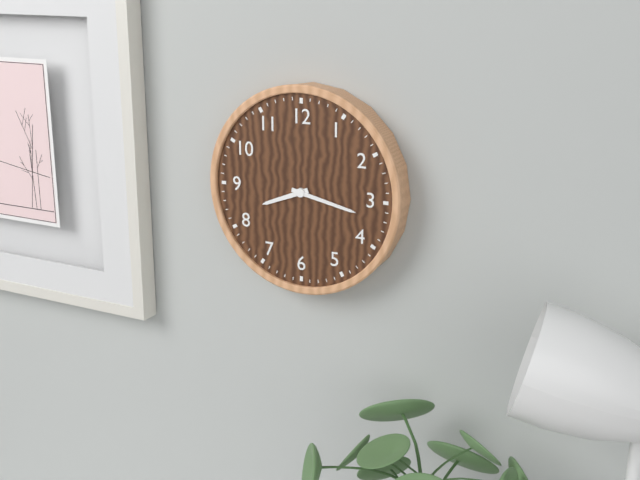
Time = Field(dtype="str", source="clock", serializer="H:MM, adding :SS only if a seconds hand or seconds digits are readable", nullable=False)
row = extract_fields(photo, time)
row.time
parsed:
8:17
